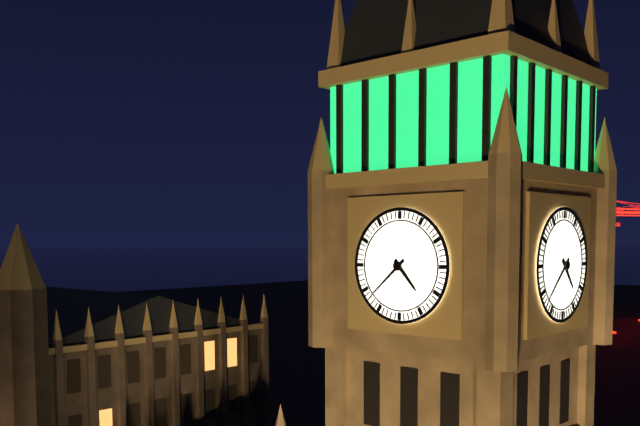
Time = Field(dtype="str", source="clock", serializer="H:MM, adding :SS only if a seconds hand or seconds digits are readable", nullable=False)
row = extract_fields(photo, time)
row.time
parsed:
4:38
